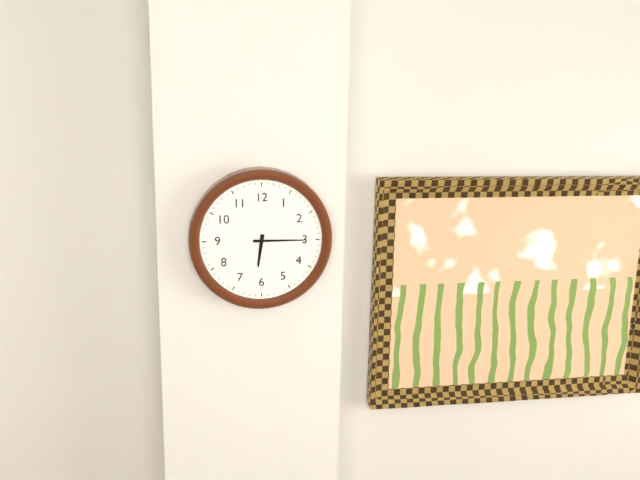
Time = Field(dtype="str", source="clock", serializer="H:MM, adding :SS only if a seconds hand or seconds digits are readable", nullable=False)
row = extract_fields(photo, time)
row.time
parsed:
6:15
